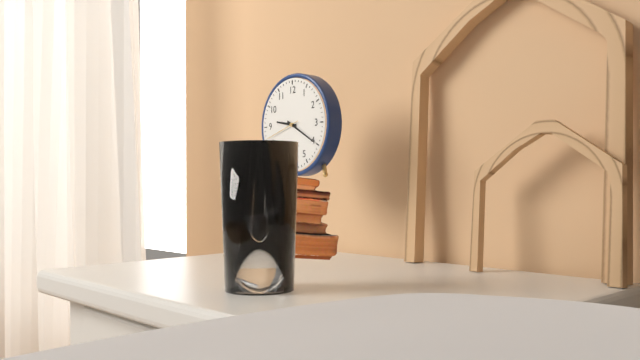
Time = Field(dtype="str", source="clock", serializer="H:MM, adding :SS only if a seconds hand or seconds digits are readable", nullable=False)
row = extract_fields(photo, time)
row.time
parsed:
9:20
